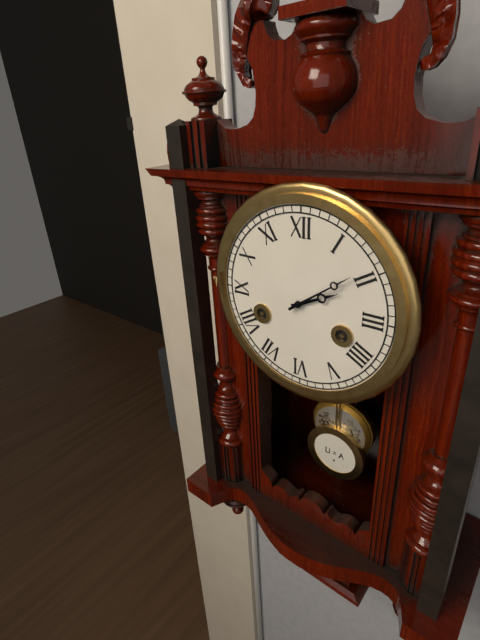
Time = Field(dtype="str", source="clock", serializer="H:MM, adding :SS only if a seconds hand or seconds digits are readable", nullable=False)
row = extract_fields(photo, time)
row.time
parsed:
2:09
